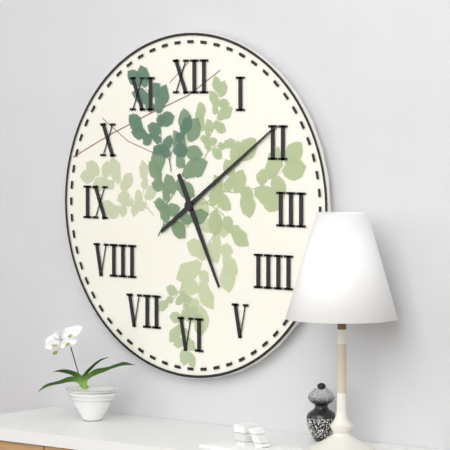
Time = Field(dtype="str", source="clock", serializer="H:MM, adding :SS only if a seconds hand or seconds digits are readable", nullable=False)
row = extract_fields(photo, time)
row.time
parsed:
5:09
